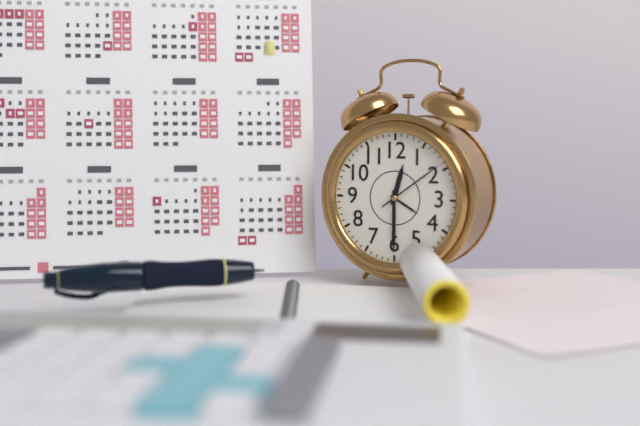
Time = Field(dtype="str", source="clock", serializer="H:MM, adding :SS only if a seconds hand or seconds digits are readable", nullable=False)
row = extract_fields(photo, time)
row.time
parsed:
12:30:09
